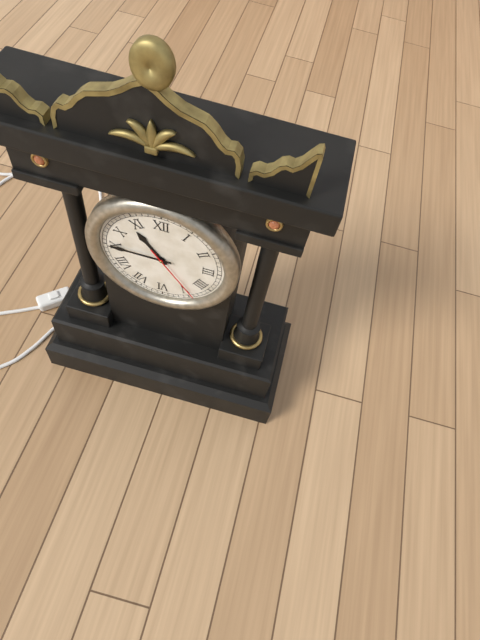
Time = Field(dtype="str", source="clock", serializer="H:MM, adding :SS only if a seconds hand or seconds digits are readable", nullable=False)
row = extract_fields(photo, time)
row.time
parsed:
10:45:24
